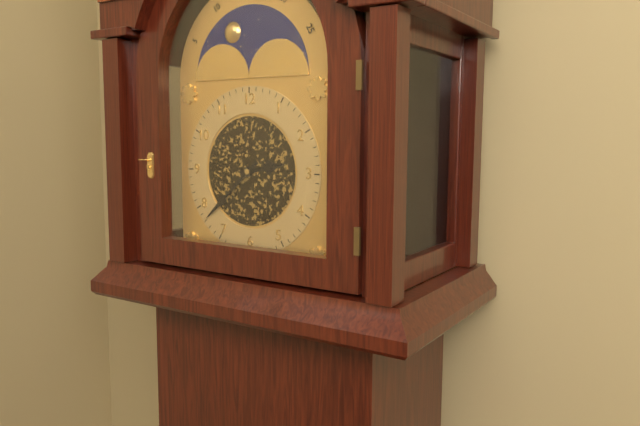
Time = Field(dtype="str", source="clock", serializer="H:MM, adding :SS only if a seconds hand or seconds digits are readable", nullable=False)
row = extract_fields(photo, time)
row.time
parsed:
2:38
